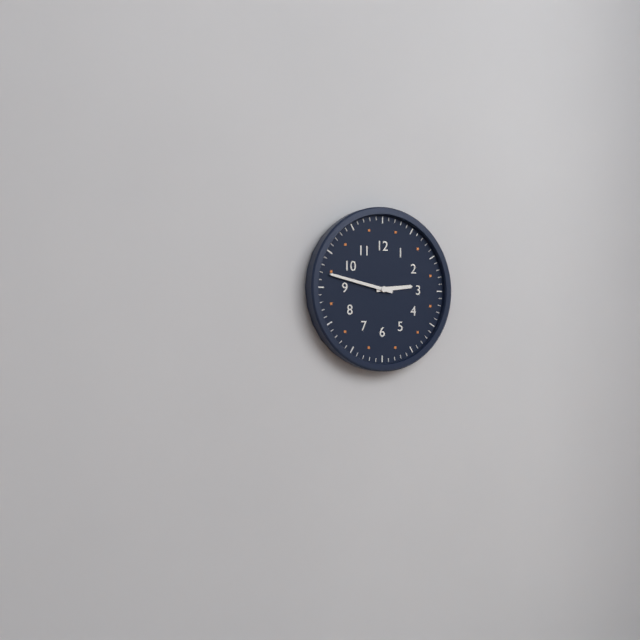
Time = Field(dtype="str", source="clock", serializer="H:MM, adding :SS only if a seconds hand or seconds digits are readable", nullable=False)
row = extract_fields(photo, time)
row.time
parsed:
2:47
